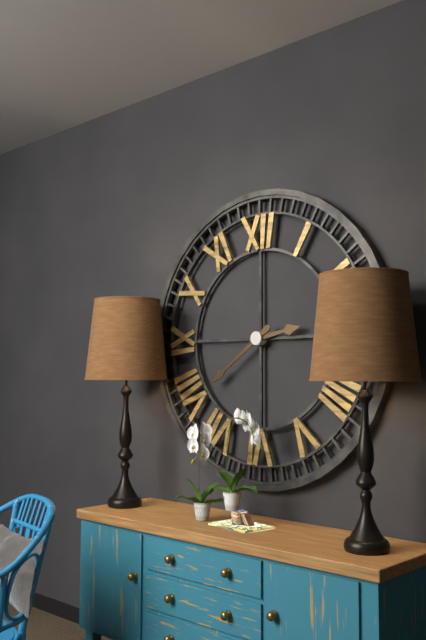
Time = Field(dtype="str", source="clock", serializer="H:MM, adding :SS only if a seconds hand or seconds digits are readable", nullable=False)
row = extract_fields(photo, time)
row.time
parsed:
2:39
